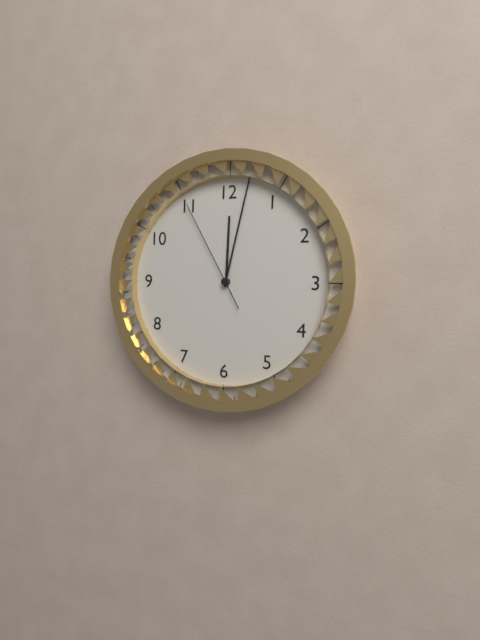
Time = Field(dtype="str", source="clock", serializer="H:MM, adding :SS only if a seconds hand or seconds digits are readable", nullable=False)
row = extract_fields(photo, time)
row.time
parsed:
12:02:55
